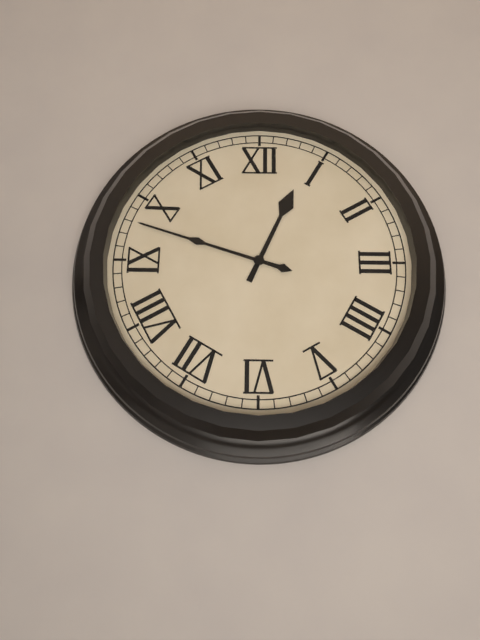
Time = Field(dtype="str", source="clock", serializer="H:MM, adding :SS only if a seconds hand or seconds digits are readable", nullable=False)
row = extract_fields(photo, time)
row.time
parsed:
12:48
